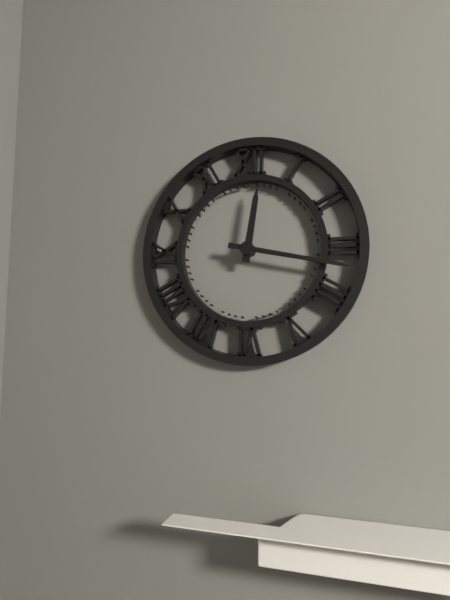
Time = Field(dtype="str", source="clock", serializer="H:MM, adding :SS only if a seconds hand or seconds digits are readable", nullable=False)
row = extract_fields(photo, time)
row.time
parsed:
12:17
